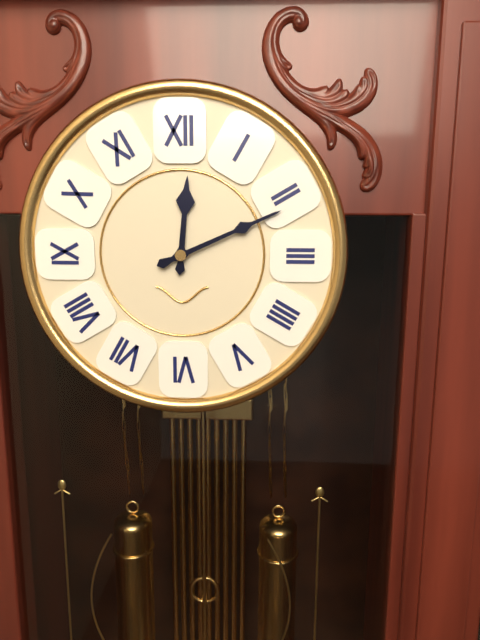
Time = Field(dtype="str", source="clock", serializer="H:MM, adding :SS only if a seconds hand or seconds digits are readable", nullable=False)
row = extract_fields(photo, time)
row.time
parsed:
12:11
